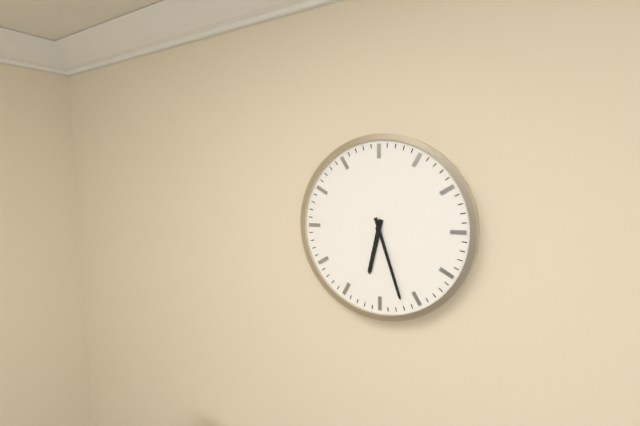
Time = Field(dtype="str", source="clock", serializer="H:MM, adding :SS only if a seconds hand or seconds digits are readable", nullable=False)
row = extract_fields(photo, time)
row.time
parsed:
6:27
